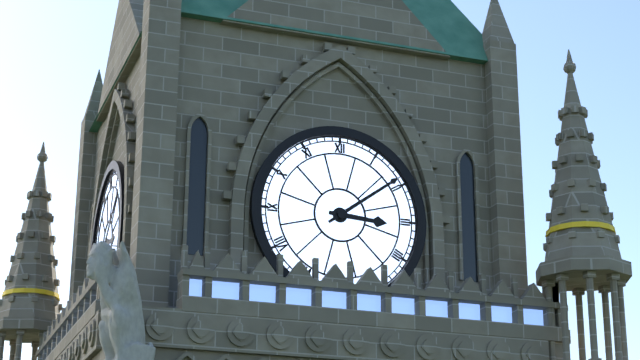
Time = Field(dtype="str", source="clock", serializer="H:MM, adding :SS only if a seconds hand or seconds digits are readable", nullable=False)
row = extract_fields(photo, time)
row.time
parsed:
3:09
